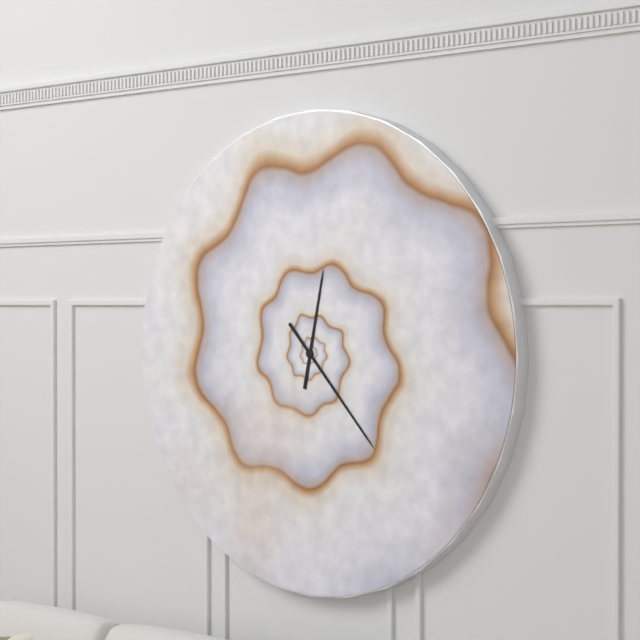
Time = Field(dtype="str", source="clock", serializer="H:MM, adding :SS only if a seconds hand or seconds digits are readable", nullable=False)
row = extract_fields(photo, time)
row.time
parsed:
12:23
